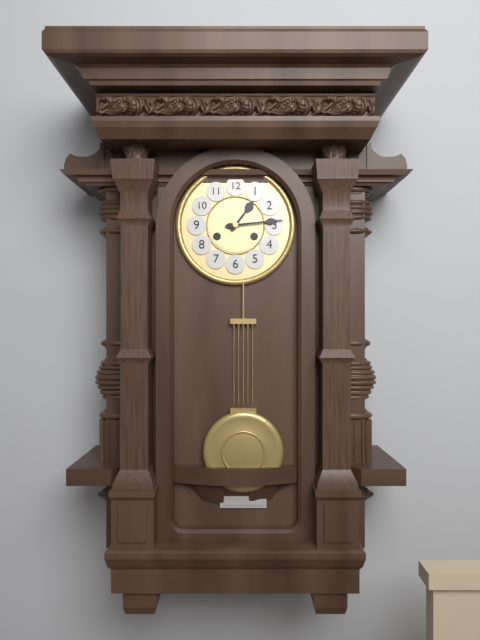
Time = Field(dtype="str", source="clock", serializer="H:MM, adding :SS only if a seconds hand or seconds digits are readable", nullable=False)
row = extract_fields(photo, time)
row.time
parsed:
1:14
